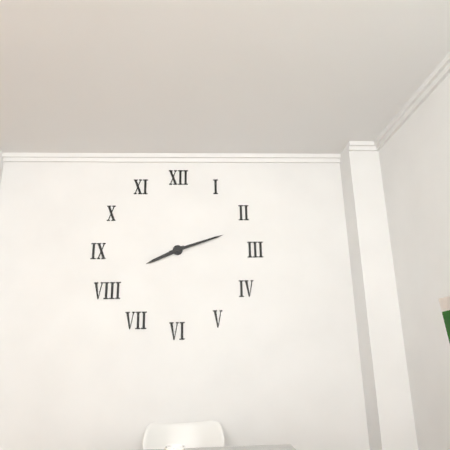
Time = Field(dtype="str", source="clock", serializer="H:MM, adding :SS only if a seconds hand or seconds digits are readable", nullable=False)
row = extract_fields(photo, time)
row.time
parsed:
8:12
